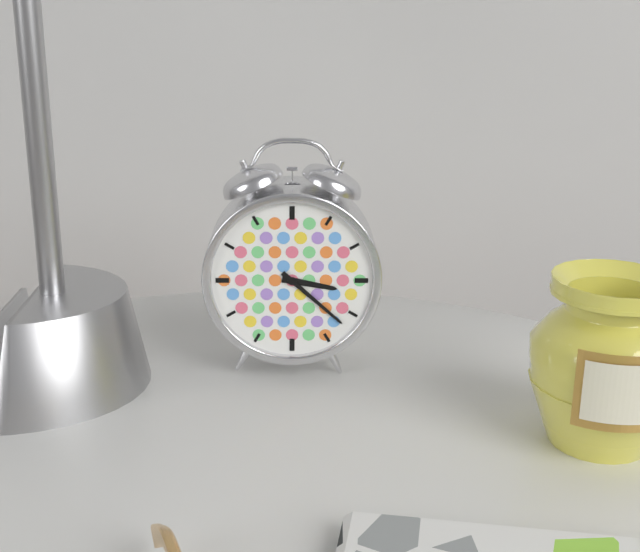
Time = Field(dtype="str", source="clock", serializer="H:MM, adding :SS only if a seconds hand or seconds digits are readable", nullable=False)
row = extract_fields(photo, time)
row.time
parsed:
3:22
